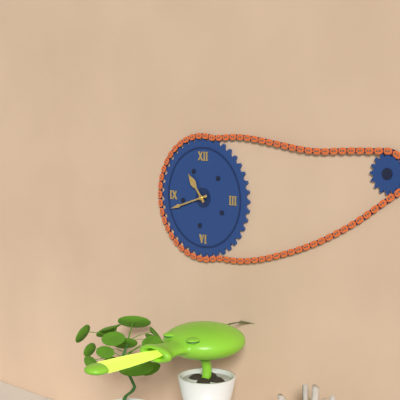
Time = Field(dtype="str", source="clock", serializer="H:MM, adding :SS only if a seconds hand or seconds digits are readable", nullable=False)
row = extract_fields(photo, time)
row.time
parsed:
10:42
